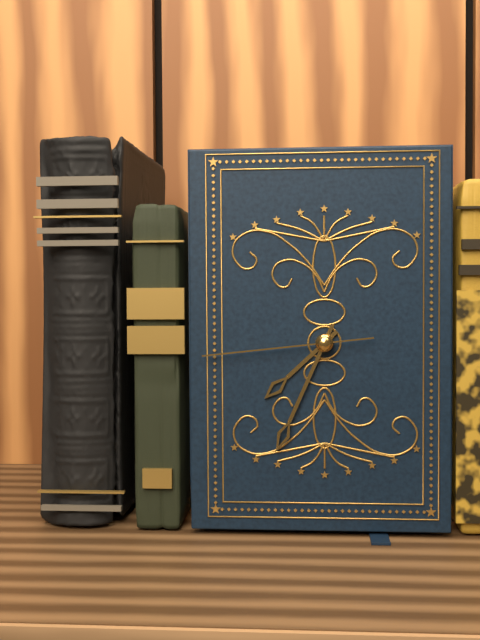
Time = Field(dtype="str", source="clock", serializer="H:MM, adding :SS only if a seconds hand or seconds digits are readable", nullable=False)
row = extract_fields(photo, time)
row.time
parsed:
7:34:44
